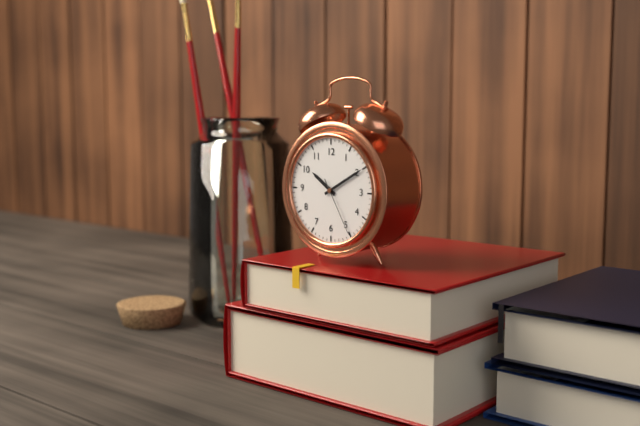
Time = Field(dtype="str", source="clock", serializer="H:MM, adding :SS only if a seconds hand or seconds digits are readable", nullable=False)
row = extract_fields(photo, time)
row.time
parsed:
10:10:25
